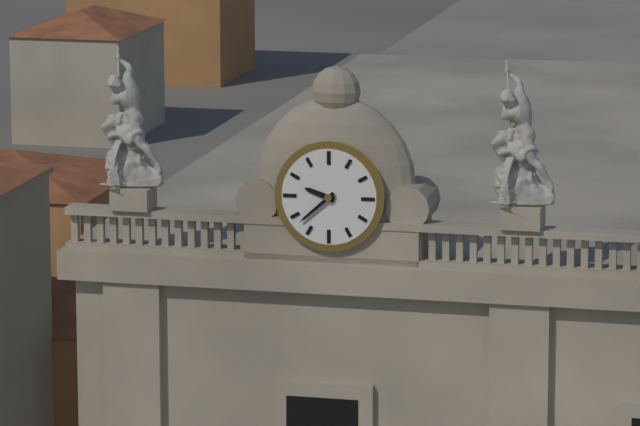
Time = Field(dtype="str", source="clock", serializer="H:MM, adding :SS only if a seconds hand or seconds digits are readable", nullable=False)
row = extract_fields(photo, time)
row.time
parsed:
9:38
